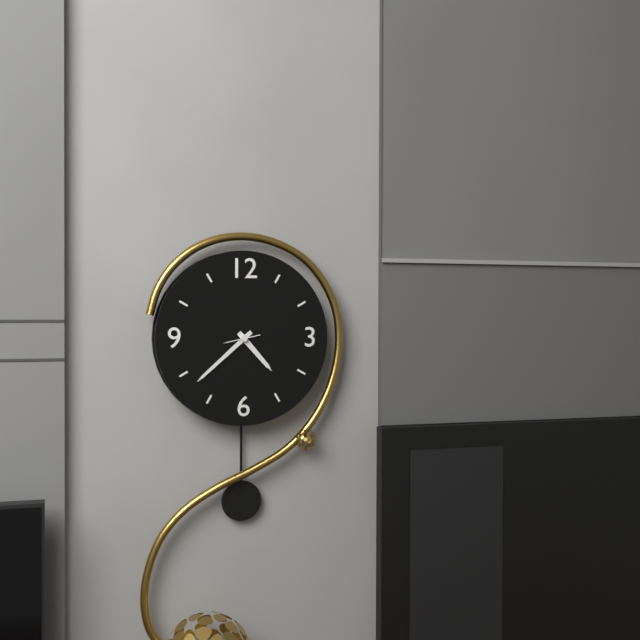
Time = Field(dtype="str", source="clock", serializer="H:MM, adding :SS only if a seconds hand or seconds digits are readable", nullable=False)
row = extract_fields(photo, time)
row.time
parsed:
4:38
